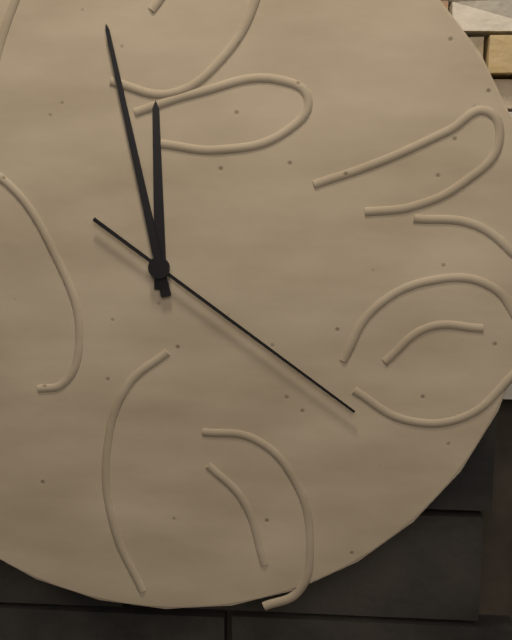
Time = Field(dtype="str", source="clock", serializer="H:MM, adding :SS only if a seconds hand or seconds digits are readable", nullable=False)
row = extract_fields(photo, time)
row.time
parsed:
11:58:21
